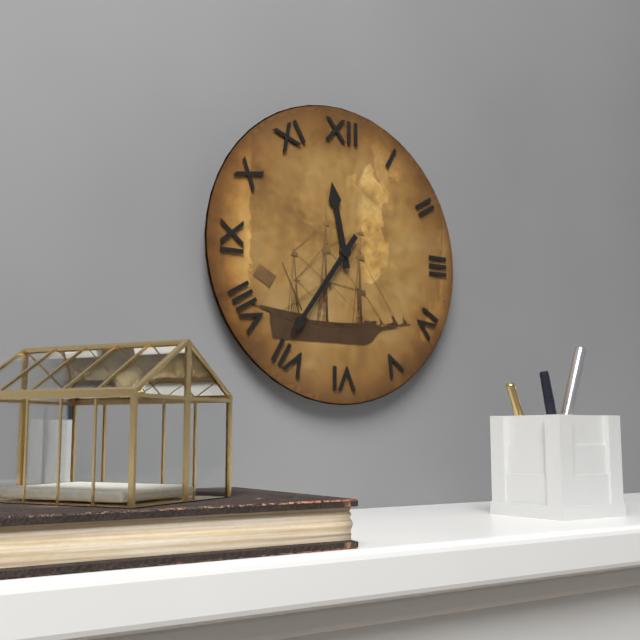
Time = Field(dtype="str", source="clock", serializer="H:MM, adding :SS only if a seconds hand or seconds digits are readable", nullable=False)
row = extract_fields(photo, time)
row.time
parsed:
11:36
